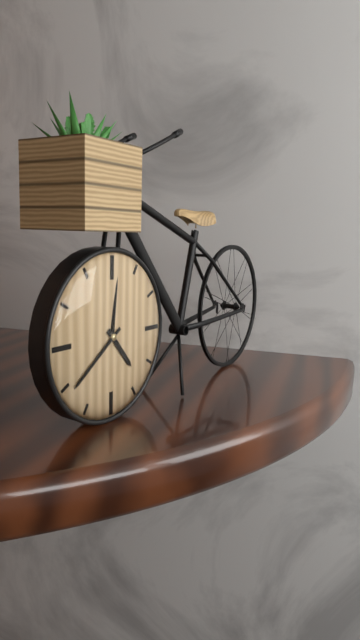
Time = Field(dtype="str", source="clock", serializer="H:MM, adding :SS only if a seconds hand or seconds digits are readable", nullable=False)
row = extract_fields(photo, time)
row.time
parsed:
4:39
